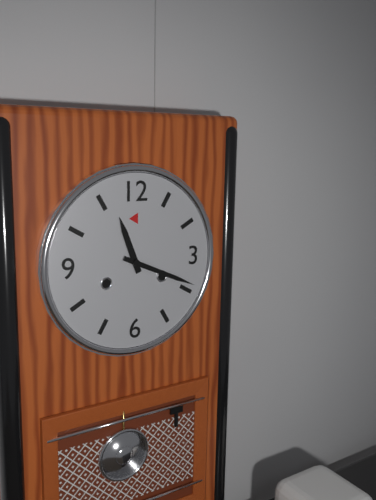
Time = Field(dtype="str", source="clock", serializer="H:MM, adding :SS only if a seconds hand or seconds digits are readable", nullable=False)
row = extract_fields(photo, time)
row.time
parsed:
11:19
